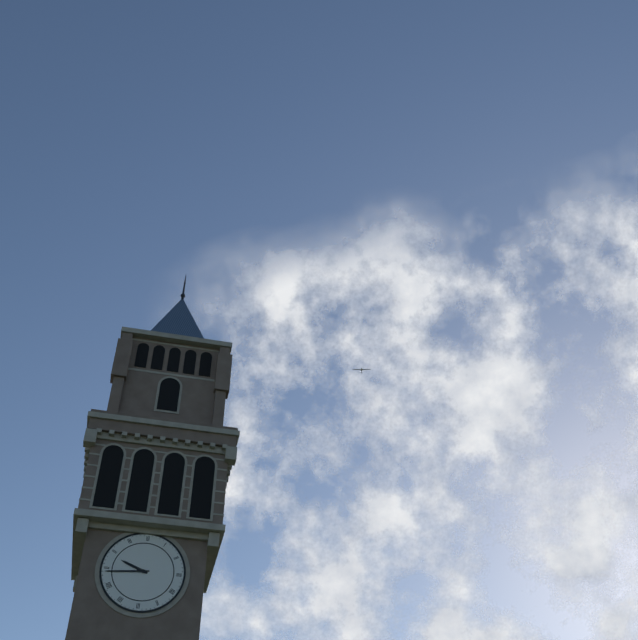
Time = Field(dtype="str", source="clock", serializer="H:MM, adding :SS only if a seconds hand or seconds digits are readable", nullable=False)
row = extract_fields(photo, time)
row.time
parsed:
9:44
